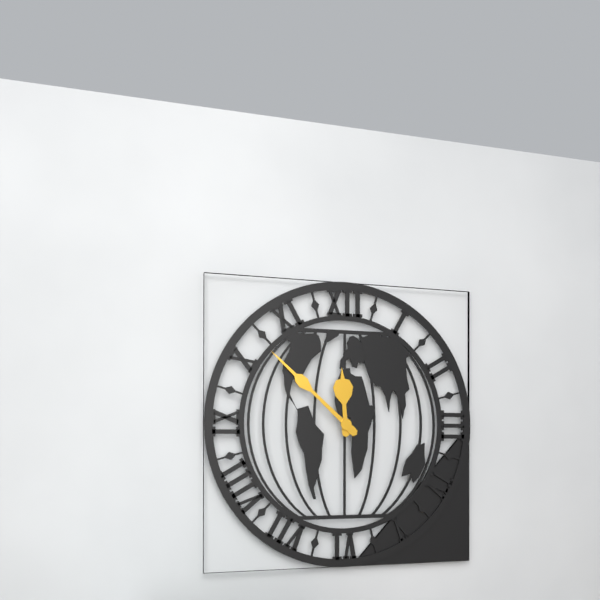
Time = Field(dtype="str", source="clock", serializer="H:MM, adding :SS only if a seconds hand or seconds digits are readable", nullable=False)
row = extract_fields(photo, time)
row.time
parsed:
11:52
